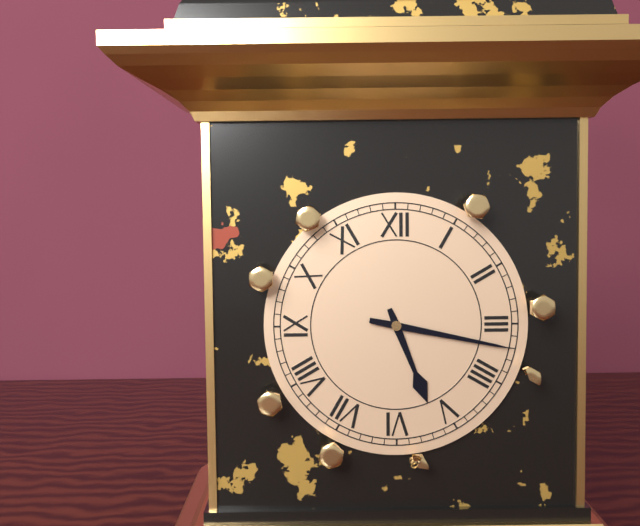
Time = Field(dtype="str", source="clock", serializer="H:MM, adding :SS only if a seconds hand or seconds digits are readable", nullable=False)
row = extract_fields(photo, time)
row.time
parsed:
5:17
